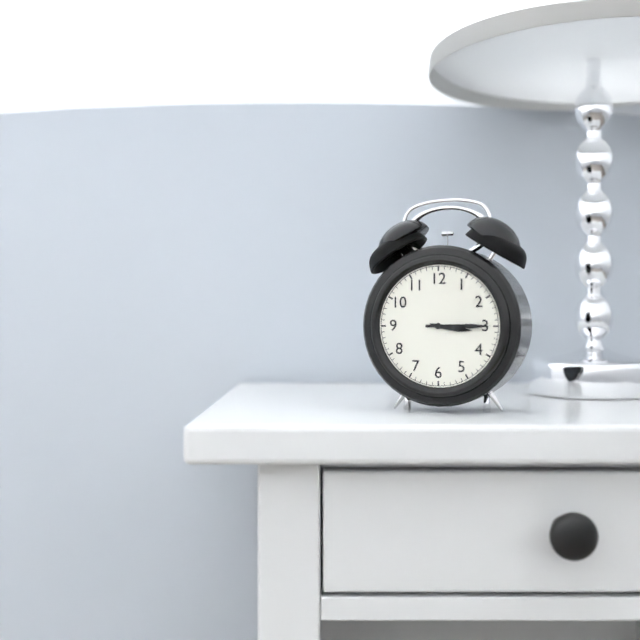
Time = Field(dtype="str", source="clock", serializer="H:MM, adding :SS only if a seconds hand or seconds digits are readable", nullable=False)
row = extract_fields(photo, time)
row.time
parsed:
3:15
